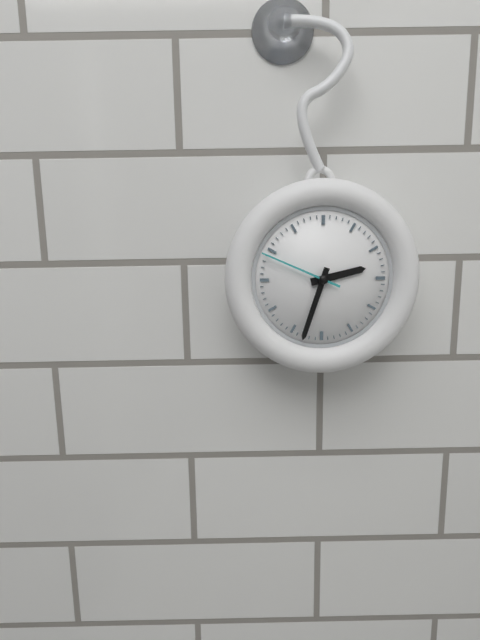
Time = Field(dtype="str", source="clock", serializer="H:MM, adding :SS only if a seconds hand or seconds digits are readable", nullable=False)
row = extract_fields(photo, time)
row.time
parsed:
2:33:49
